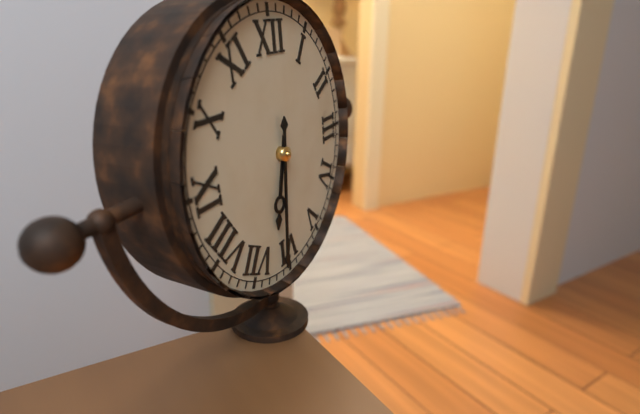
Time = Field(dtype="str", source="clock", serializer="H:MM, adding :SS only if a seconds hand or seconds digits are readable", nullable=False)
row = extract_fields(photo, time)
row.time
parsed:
6:31
